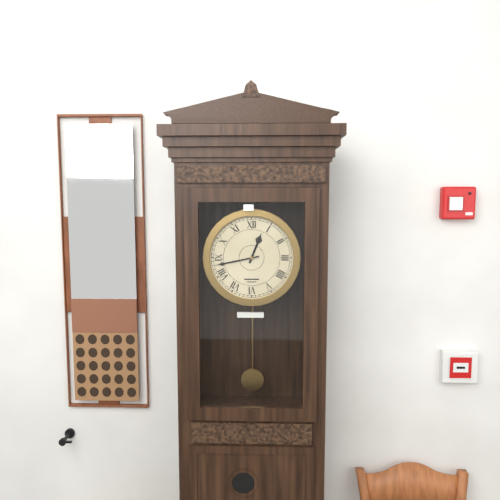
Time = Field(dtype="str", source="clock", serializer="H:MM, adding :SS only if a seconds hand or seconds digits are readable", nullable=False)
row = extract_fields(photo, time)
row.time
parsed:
12:43
